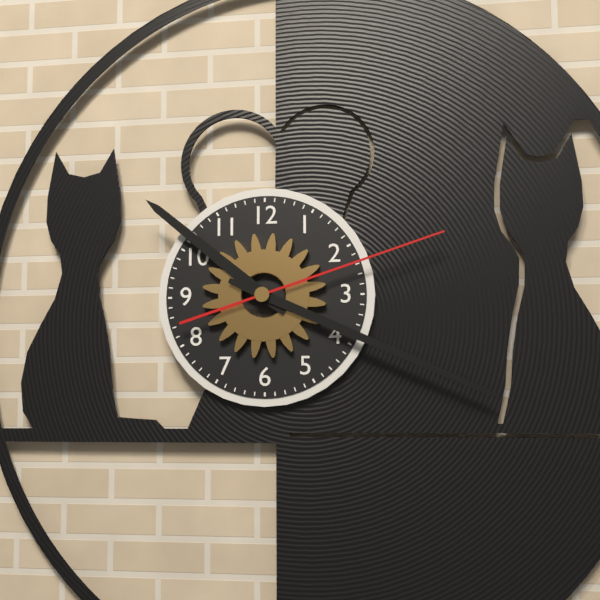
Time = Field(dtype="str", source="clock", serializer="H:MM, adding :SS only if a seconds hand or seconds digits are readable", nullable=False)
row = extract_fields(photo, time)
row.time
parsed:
10:19:12
